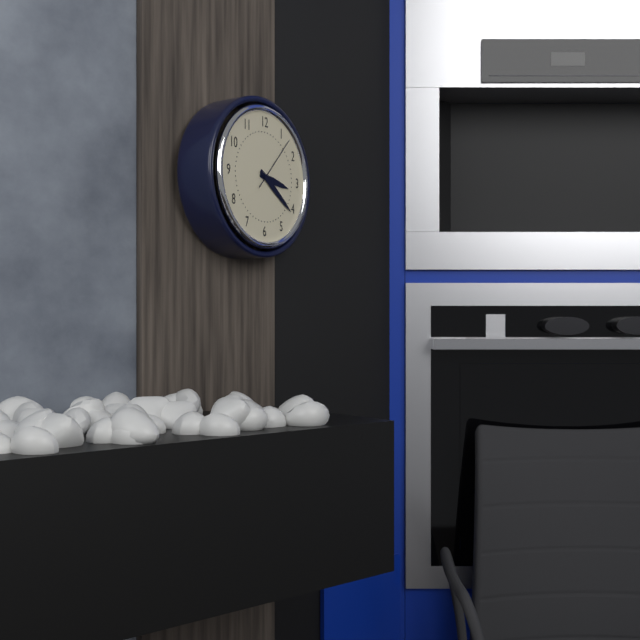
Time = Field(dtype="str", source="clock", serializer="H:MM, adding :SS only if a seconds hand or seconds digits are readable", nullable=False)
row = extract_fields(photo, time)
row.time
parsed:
3:21:07
